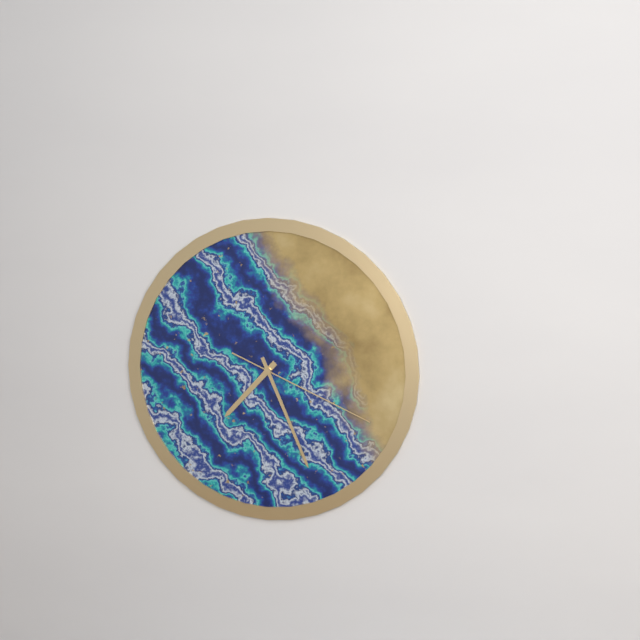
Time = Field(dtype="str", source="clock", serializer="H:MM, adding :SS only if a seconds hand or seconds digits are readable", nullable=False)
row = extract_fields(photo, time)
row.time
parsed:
7:26:19
